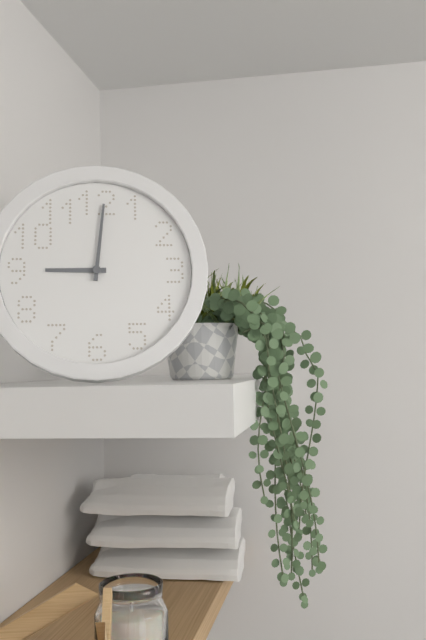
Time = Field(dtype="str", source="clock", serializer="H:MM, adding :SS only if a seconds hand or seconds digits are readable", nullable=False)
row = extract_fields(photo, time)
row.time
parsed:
9:01
